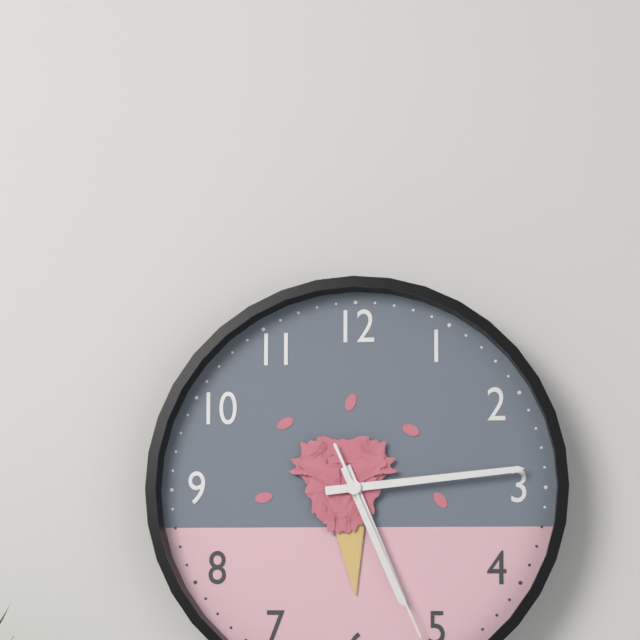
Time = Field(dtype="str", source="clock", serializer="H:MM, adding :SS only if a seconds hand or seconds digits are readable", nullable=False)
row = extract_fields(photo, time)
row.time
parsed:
5:14:26
